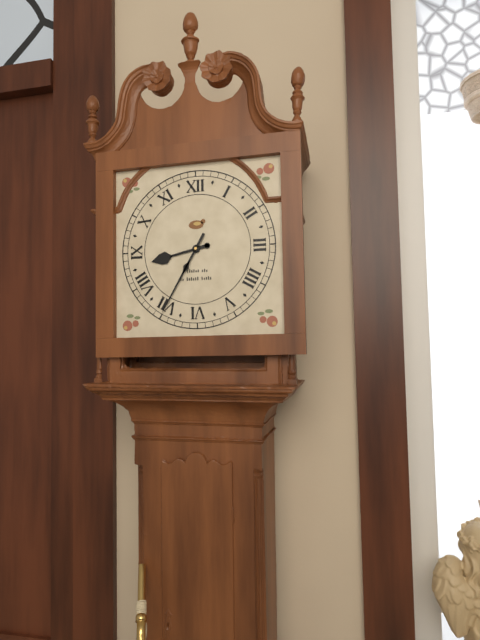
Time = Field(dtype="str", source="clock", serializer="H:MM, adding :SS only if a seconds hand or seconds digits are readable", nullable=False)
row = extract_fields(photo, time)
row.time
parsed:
8:35
